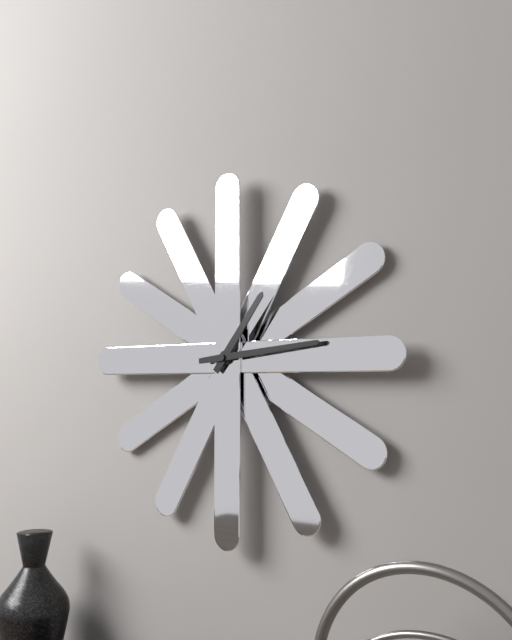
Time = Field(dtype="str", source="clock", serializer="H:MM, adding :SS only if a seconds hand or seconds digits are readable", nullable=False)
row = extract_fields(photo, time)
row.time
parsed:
1:14
